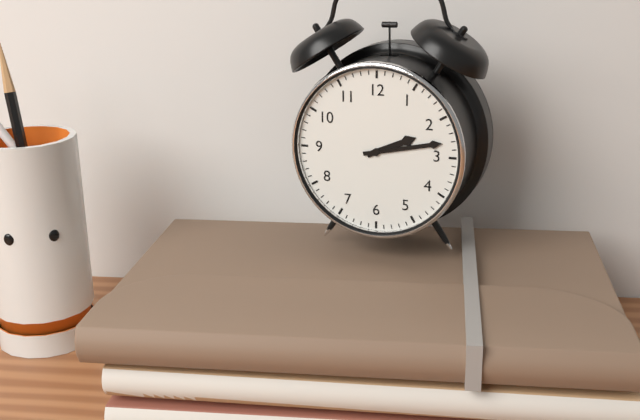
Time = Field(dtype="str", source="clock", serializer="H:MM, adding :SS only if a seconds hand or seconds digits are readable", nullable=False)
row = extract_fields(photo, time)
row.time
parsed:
2:13
